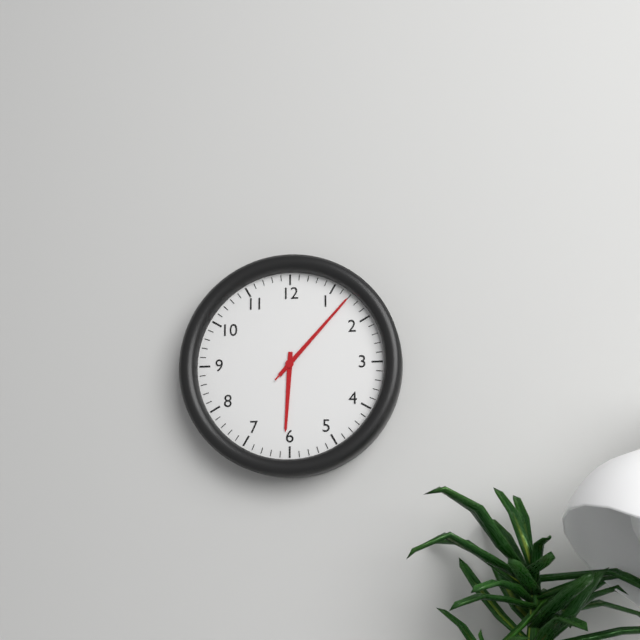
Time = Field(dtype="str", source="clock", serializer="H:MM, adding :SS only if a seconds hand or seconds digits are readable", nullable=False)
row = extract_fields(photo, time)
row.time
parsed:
6:07:07
